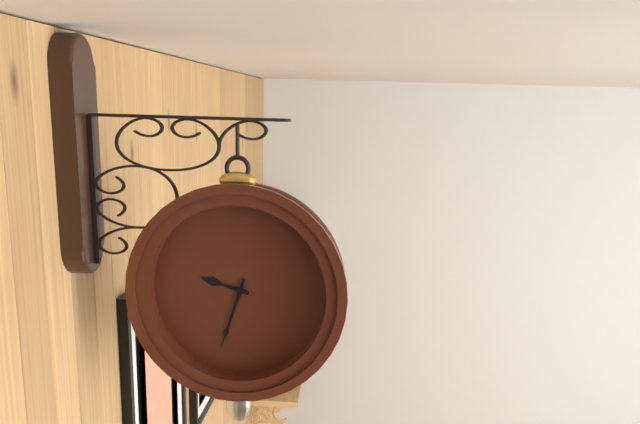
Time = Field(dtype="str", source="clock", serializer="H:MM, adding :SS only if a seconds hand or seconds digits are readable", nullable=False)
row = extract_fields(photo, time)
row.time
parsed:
9:33
